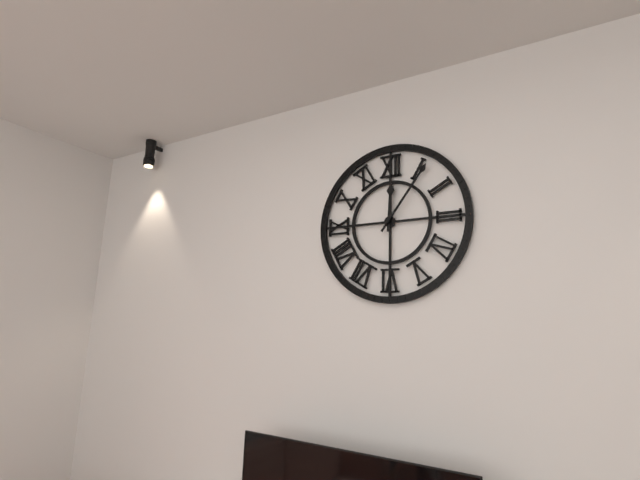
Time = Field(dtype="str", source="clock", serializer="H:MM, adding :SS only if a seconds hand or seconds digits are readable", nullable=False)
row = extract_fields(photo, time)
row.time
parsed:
12:06
